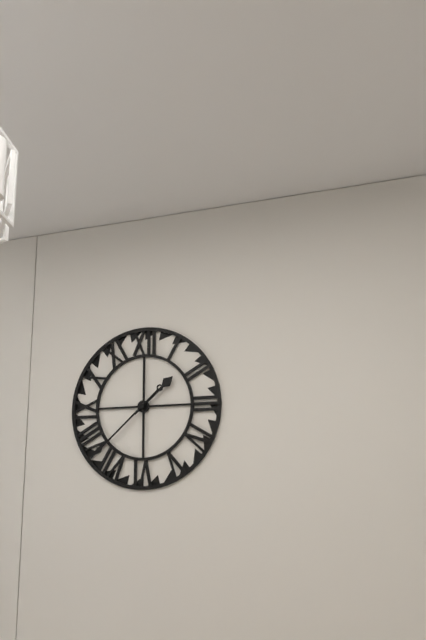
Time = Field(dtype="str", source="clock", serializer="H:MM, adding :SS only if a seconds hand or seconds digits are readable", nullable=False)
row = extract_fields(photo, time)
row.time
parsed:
1:38
